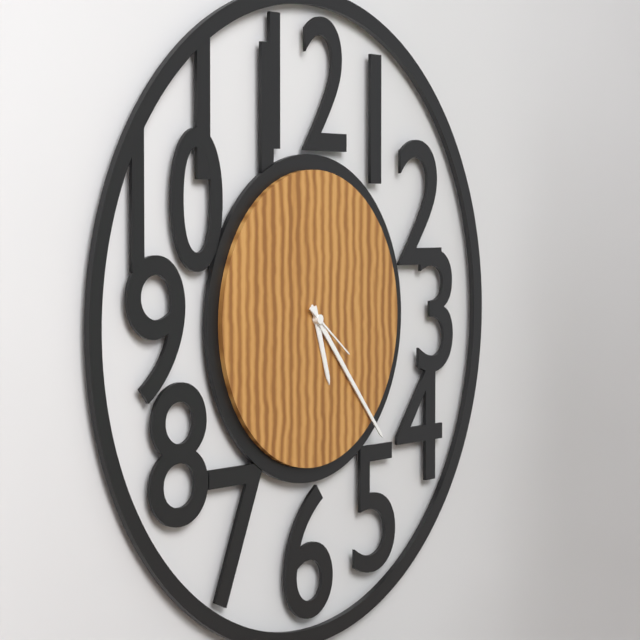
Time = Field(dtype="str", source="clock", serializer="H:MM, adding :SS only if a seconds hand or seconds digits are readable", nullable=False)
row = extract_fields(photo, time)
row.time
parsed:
5:23:21
